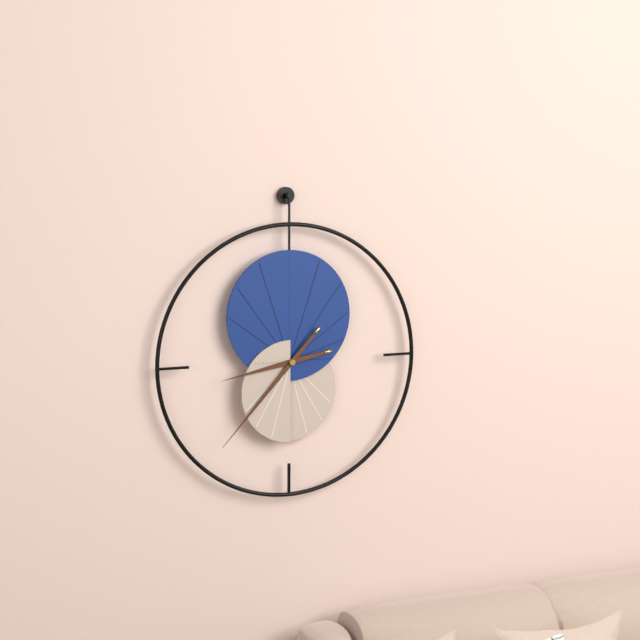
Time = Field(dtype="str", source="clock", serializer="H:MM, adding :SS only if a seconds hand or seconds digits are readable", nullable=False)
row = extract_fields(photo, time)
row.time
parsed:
8:37
